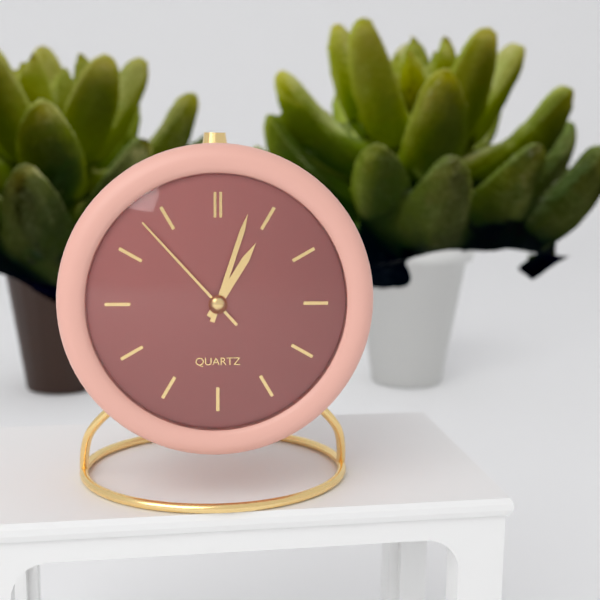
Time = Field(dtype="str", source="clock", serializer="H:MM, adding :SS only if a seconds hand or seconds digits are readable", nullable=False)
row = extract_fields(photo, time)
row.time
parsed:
1:03:53
